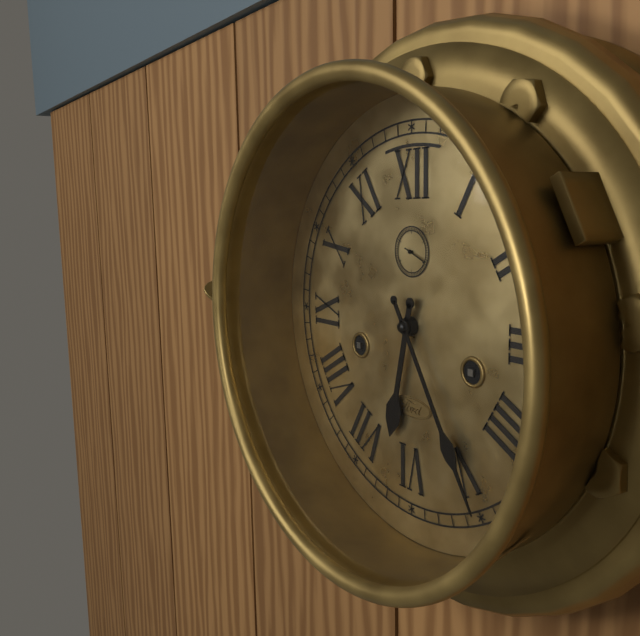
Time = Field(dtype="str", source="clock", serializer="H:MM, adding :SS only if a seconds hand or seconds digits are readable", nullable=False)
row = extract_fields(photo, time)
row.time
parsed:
6:25
